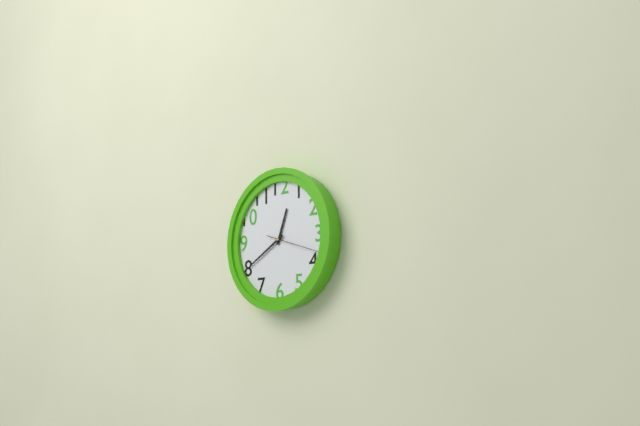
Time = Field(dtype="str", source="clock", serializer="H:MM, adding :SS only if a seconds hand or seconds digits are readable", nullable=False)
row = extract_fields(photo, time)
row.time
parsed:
12:40:18
